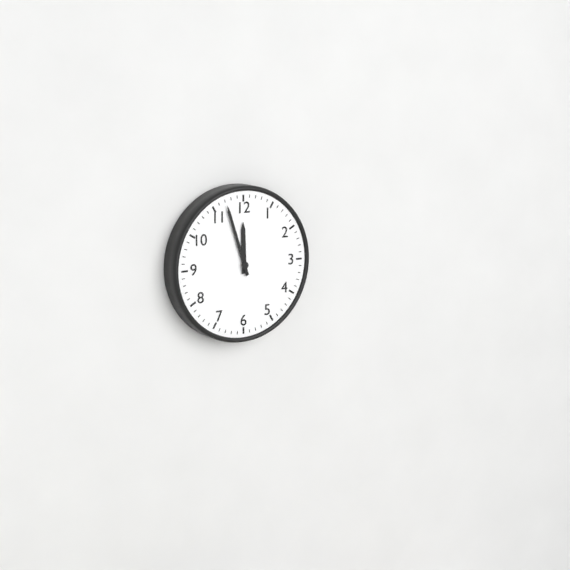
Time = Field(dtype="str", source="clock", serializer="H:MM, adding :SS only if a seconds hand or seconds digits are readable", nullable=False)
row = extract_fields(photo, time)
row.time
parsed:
11:57
